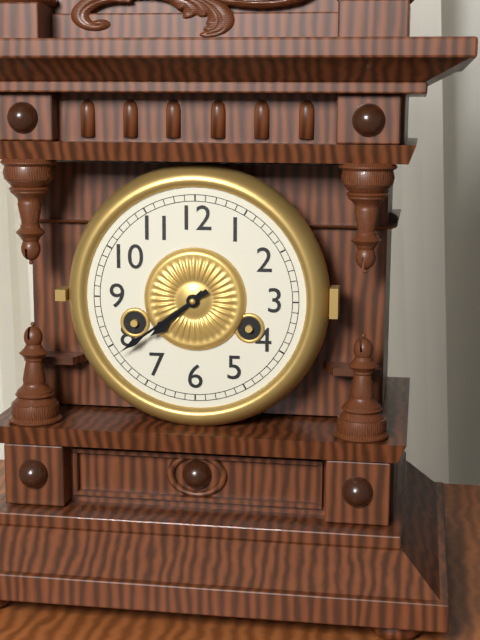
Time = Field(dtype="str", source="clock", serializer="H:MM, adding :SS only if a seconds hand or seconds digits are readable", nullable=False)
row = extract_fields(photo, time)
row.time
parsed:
7:39
